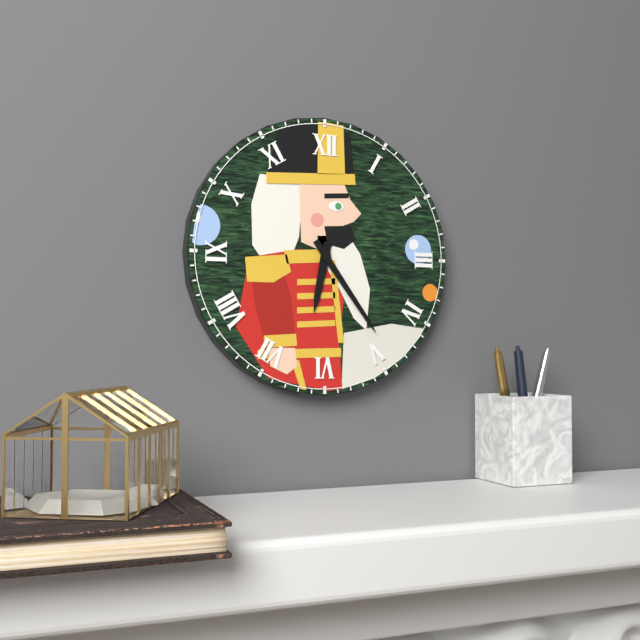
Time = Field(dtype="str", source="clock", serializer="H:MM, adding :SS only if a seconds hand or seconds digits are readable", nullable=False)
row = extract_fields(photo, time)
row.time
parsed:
6:24
